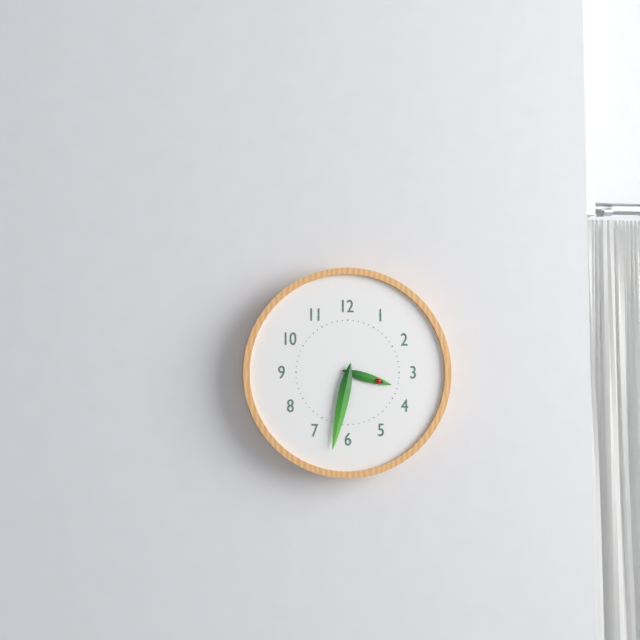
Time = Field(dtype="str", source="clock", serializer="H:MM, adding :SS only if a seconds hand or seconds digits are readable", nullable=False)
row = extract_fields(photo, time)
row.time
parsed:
3:32
